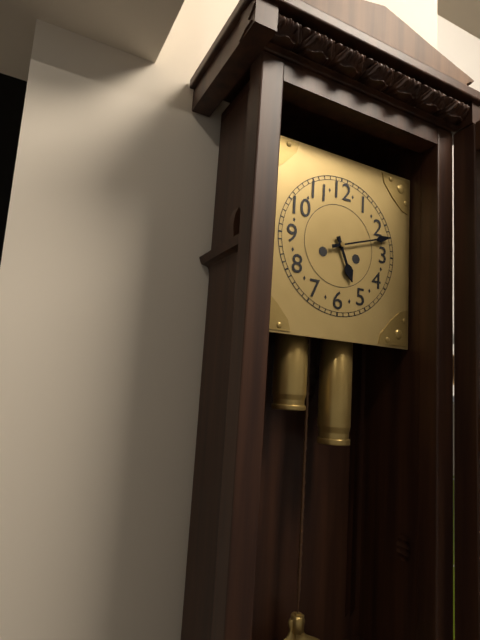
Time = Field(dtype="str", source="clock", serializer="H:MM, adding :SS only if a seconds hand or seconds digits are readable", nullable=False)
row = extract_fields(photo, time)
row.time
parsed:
5:12
